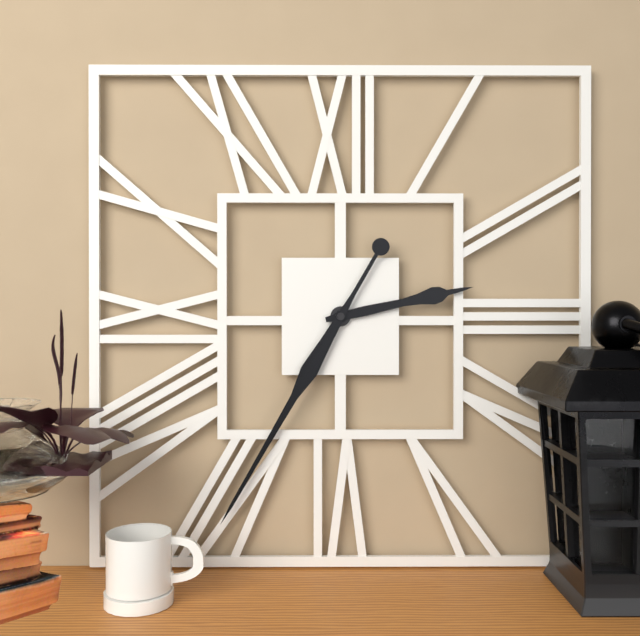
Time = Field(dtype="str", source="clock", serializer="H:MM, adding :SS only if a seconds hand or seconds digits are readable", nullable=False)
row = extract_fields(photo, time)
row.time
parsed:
2:35
